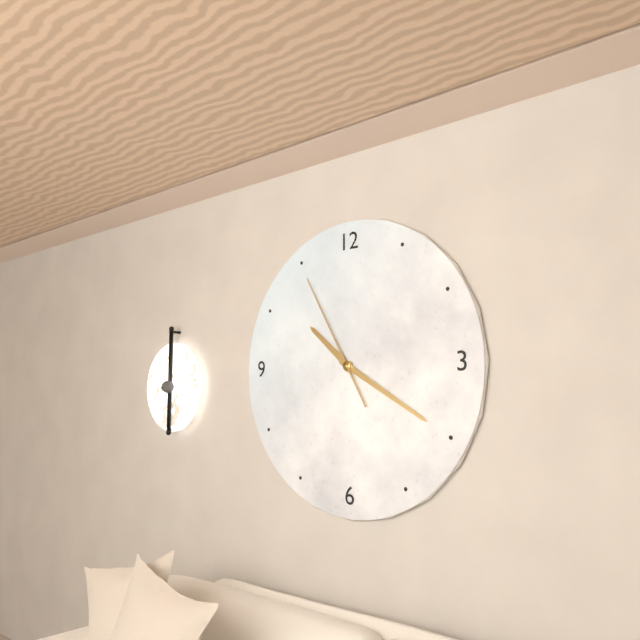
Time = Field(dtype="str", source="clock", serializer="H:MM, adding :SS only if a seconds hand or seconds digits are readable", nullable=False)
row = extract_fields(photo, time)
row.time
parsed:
10:20:55
